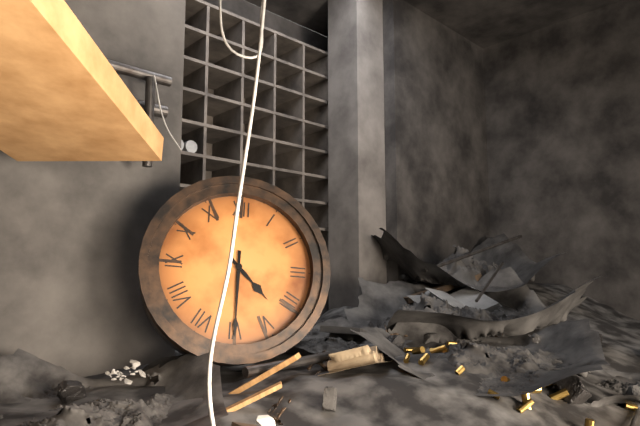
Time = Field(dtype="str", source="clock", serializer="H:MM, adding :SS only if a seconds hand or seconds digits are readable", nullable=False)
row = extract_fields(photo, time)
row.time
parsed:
4:30
